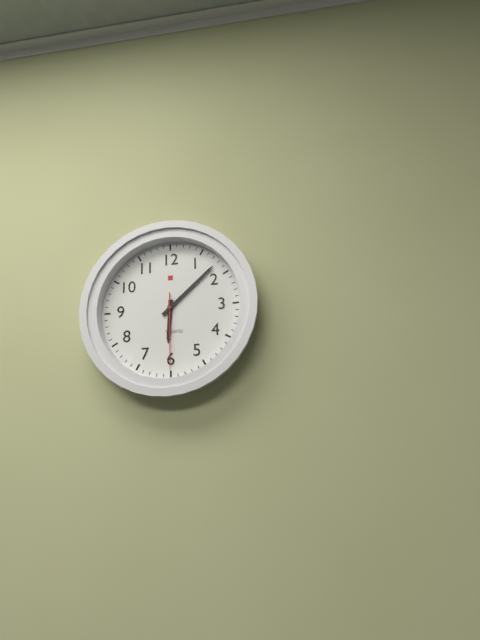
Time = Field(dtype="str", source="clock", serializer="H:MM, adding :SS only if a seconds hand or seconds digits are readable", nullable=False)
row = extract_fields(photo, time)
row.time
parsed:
6:08:30
